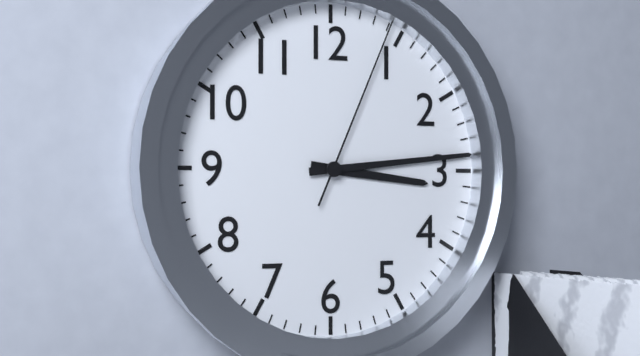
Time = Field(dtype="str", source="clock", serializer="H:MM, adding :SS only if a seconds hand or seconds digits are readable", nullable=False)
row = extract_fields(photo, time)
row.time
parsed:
3:14:04
